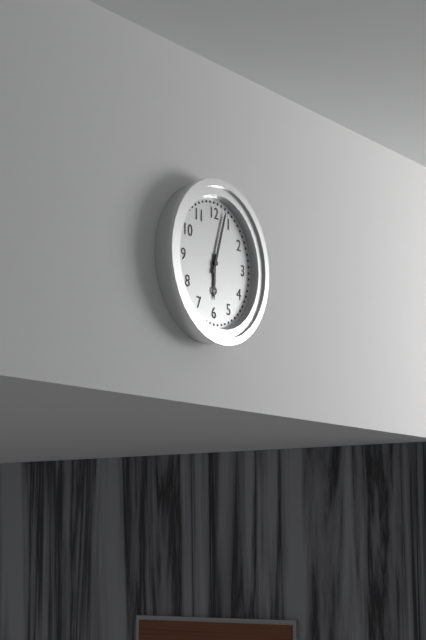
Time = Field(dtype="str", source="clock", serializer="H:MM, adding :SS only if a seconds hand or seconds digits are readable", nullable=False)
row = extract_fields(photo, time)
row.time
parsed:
6:03
